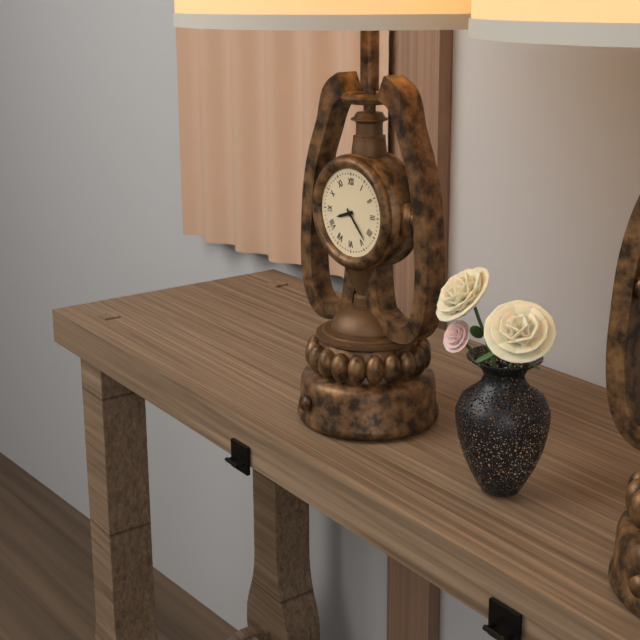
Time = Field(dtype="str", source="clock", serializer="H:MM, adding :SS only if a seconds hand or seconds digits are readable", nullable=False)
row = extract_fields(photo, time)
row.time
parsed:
8:23
